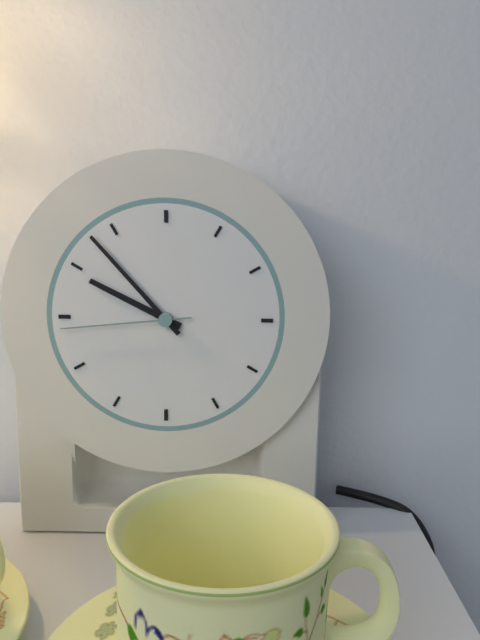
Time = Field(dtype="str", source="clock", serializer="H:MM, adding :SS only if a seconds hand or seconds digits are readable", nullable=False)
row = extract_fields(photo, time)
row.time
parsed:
9:53:44
